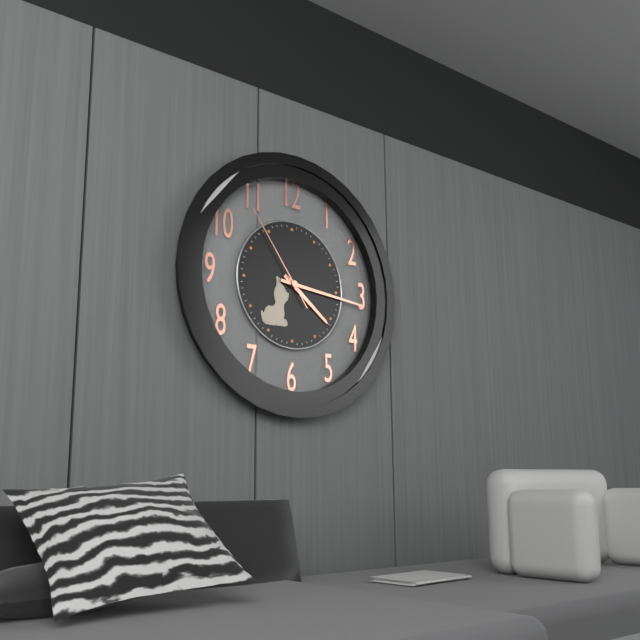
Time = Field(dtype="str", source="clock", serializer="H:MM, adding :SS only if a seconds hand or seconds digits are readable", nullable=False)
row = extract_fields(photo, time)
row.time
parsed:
4:16:54
